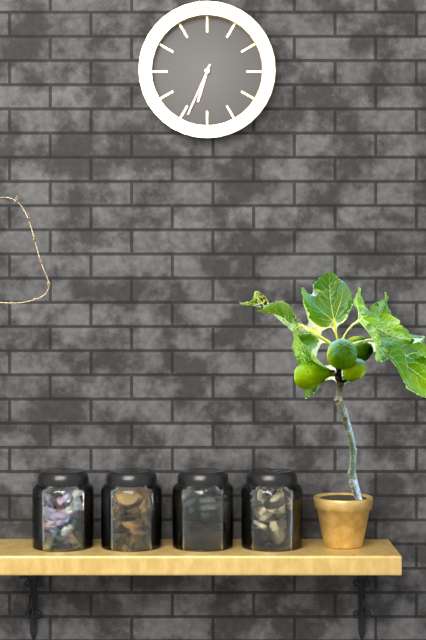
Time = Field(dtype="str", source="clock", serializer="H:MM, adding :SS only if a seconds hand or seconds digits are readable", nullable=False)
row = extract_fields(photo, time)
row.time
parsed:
6:34
